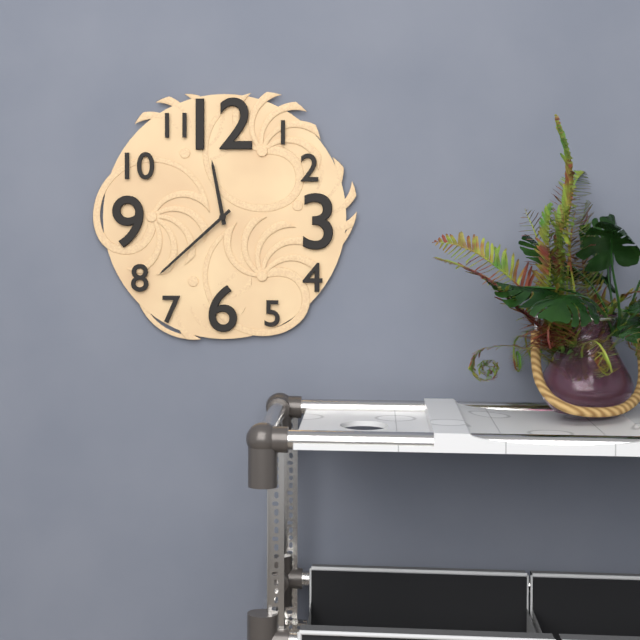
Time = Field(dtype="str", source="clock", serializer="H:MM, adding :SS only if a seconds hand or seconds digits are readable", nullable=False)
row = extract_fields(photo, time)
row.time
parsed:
11:38
